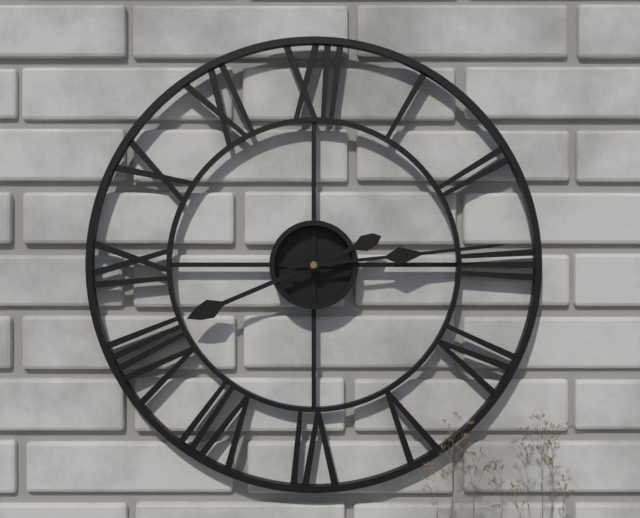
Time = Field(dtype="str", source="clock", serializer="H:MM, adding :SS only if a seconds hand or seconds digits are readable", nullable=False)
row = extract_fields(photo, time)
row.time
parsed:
8:14
